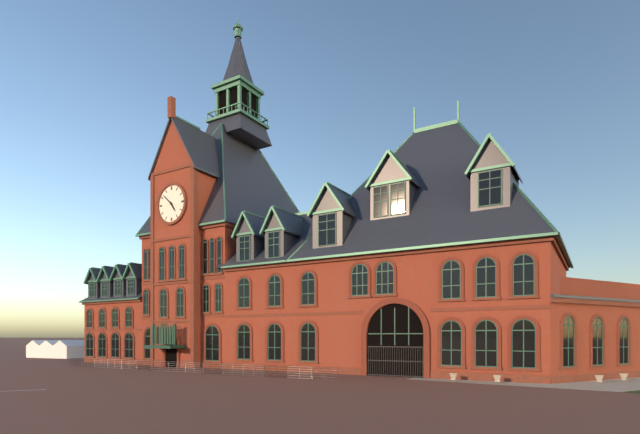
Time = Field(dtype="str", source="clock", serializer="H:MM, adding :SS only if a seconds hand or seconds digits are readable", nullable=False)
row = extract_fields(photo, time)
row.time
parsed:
4:52
